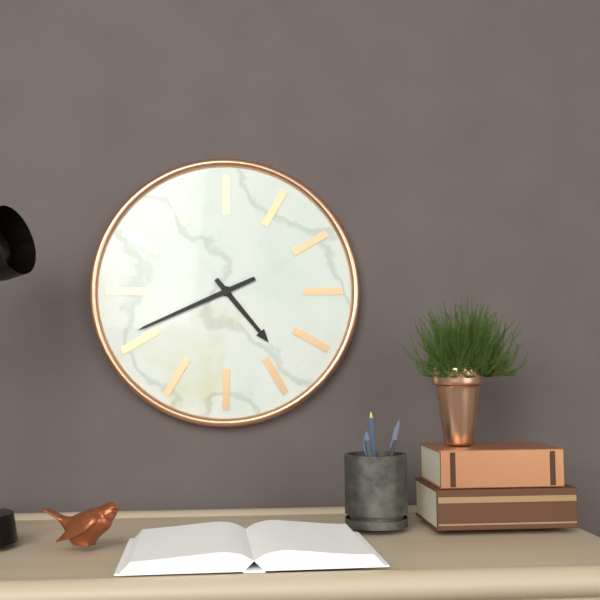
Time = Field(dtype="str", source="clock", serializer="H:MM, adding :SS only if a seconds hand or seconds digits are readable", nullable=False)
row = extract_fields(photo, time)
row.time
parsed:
4:41
